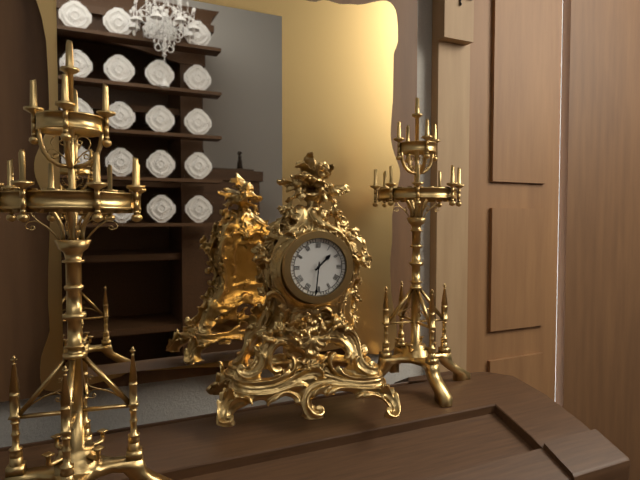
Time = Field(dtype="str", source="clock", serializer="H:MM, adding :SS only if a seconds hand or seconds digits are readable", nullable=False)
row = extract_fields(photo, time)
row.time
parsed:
1:31
